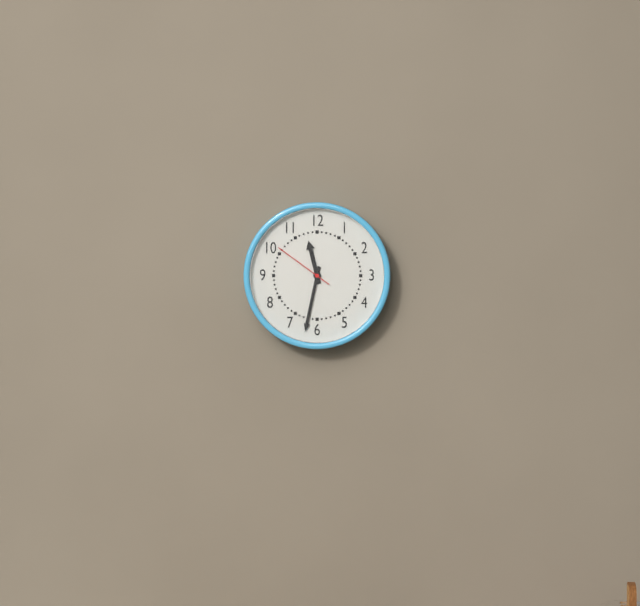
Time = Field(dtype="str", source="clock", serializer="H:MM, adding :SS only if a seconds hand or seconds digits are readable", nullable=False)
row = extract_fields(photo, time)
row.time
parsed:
11:32:51
